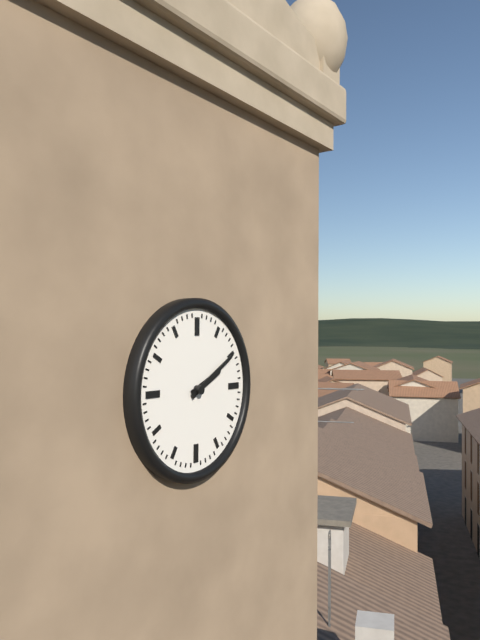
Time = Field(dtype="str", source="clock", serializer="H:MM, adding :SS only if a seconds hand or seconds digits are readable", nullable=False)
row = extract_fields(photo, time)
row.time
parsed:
2:10
